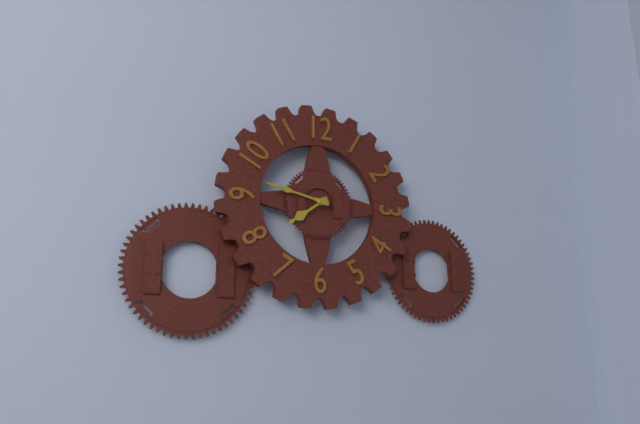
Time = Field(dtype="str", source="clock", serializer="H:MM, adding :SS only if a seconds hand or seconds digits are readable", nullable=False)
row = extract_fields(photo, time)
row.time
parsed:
7:47
